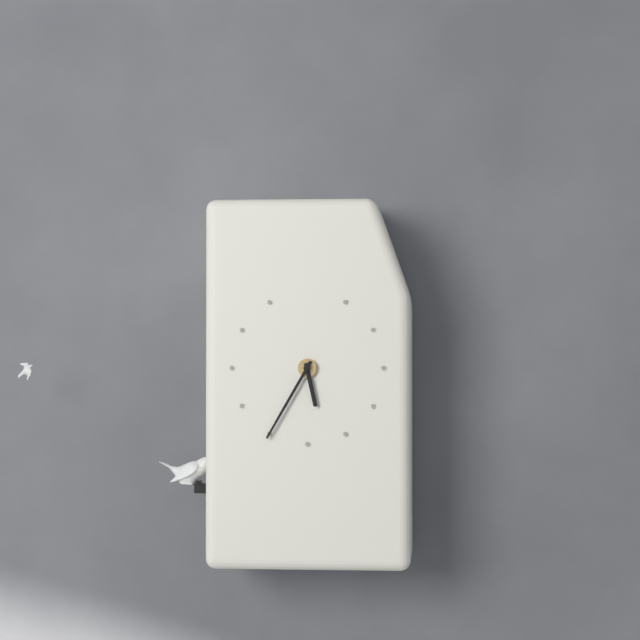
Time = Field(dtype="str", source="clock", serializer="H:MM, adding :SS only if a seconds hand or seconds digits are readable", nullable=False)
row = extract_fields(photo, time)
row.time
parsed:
5:35
